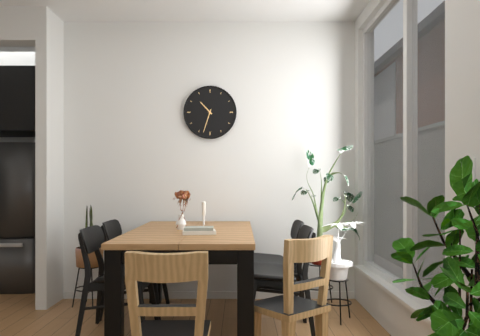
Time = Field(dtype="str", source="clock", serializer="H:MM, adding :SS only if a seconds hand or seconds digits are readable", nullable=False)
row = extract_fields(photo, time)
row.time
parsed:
10:33
